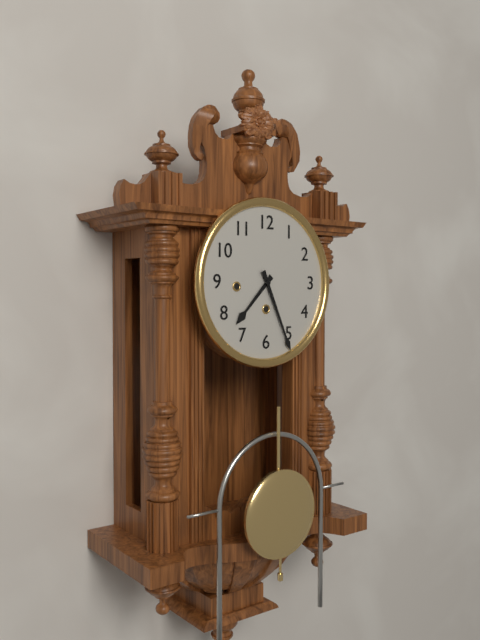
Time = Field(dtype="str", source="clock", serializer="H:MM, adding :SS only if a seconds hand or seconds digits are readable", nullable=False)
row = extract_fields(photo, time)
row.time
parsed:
7:26
